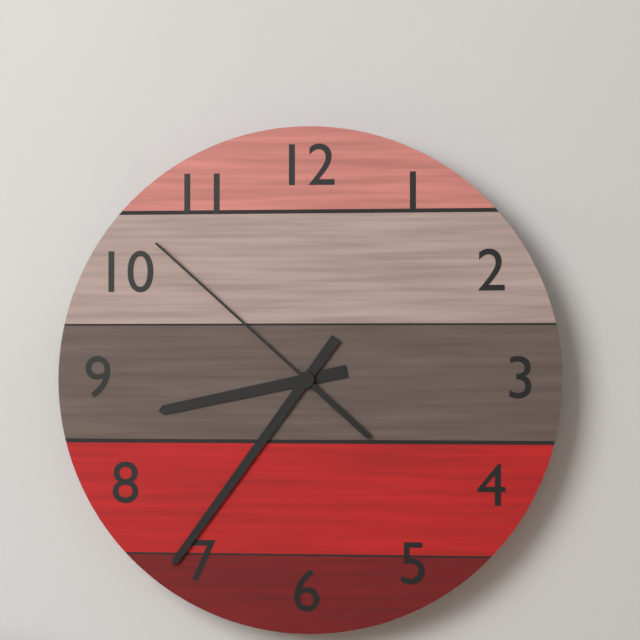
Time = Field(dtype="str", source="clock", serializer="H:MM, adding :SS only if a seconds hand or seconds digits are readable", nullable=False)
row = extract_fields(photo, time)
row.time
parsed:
8:36:52
